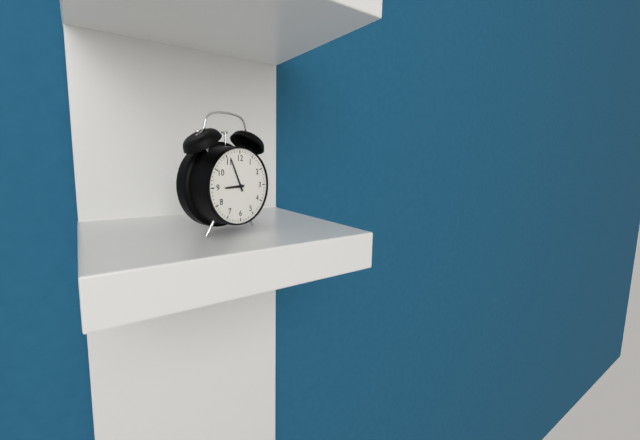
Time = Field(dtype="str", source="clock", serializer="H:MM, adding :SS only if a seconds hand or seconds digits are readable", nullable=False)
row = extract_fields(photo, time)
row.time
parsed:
8:56
